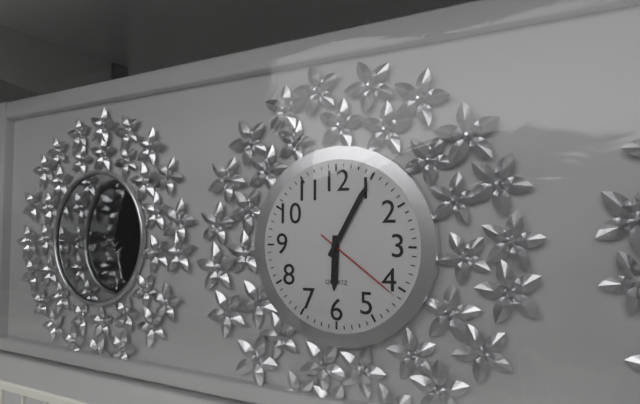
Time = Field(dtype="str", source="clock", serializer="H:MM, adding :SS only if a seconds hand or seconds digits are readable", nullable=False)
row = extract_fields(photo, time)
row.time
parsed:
6:05:21
